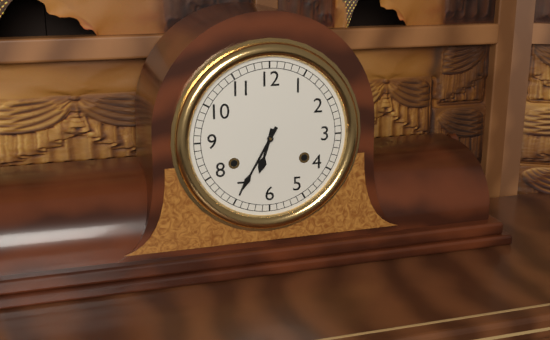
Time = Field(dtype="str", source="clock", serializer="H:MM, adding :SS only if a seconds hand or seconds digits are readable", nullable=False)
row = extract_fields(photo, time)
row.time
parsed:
6:35
